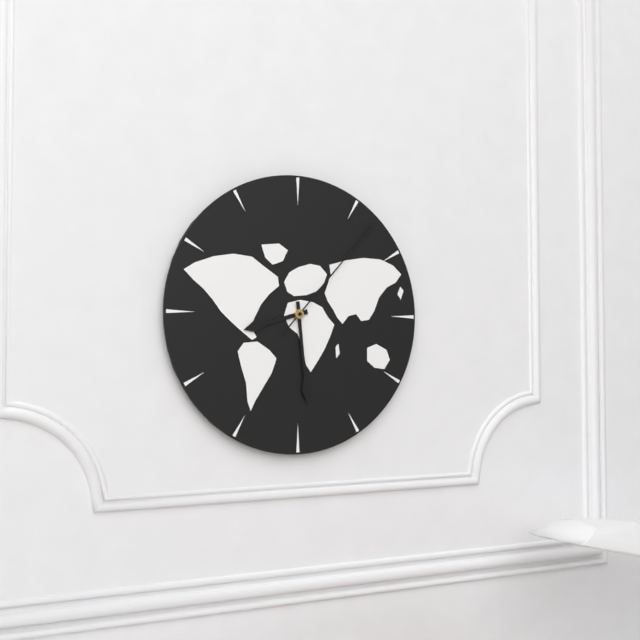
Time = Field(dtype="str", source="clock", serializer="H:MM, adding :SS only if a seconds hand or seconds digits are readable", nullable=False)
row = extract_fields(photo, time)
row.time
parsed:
8:29:07
